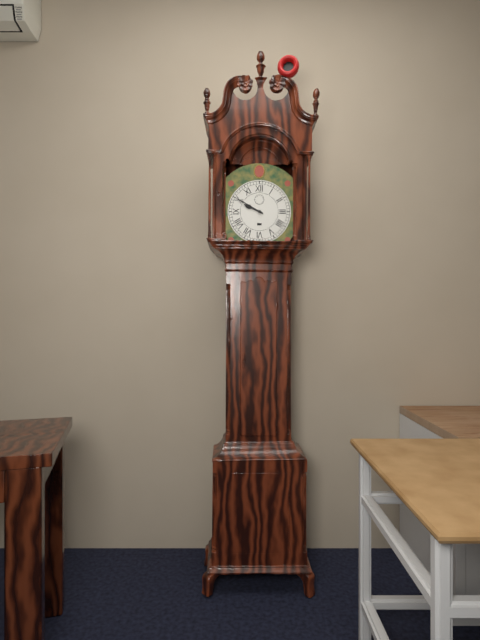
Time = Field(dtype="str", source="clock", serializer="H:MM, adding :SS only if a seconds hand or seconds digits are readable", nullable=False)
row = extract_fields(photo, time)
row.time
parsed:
9:50
